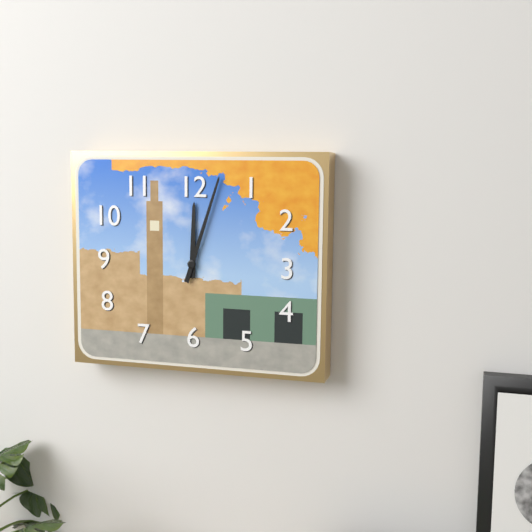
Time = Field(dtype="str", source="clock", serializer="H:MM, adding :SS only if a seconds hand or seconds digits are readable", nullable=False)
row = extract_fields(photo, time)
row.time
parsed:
12:03
